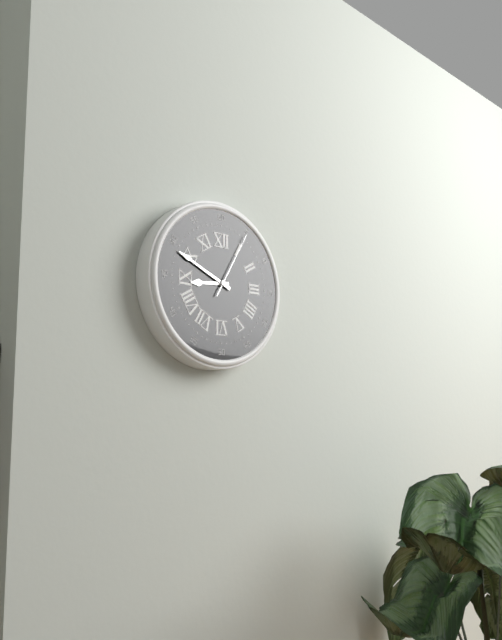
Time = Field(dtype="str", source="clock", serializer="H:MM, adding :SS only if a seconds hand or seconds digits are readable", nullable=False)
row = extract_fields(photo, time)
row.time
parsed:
8:49:05
